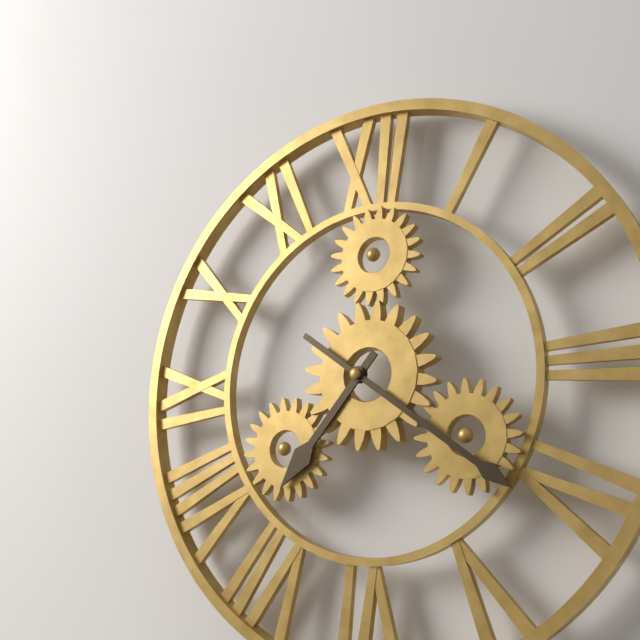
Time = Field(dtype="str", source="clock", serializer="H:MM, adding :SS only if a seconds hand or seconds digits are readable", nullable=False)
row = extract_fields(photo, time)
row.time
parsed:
7:21
